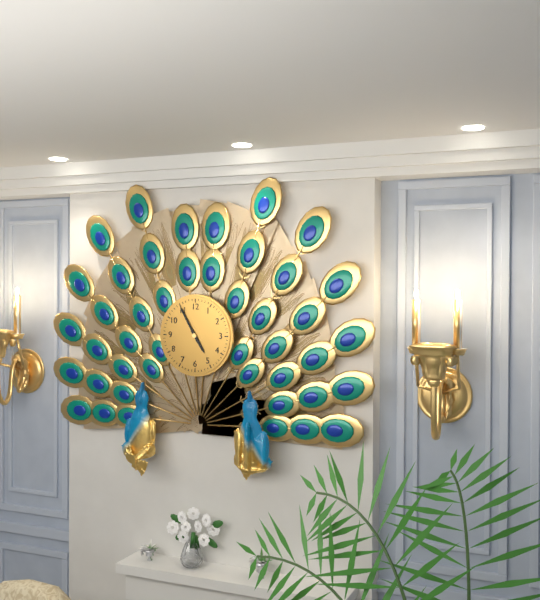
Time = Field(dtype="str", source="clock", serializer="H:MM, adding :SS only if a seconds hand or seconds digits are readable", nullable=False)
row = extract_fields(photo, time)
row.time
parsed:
4:55
